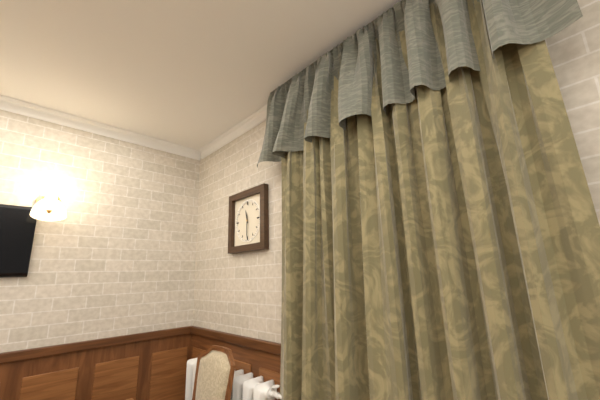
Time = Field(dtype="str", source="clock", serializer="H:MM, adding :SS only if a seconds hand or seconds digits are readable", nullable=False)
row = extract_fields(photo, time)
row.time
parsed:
11:30
